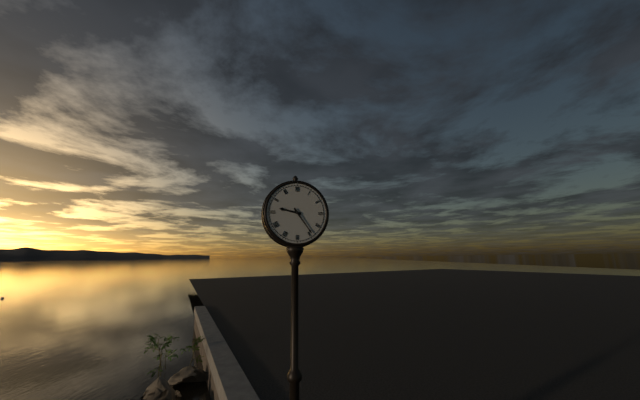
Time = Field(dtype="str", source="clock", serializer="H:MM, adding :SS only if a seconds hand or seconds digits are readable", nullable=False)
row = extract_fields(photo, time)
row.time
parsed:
9:24
